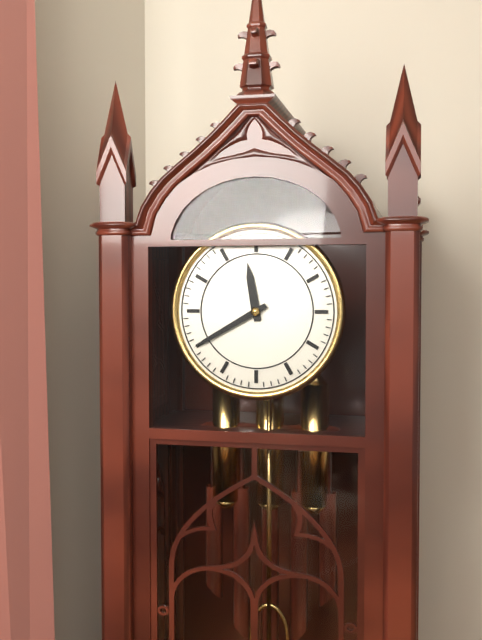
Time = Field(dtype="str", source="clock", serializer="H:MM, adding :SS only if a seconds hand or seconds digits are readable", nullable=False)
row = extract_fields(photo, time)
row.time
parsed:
11:40
